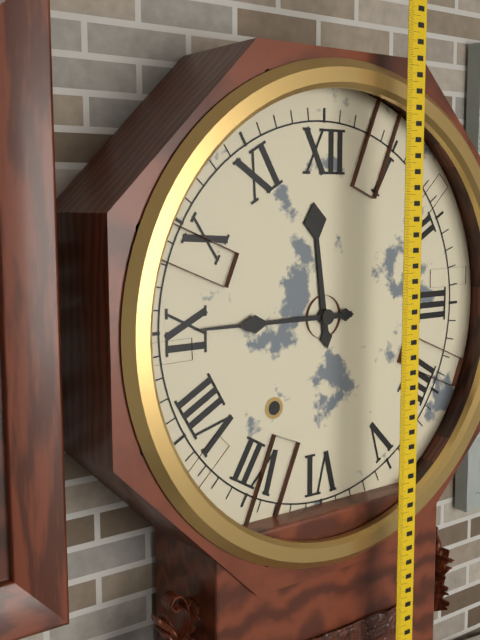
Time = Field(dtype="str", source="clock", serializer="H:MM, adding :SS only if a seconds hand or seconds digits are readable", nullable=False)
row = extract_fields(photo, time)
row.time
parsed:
11:45
